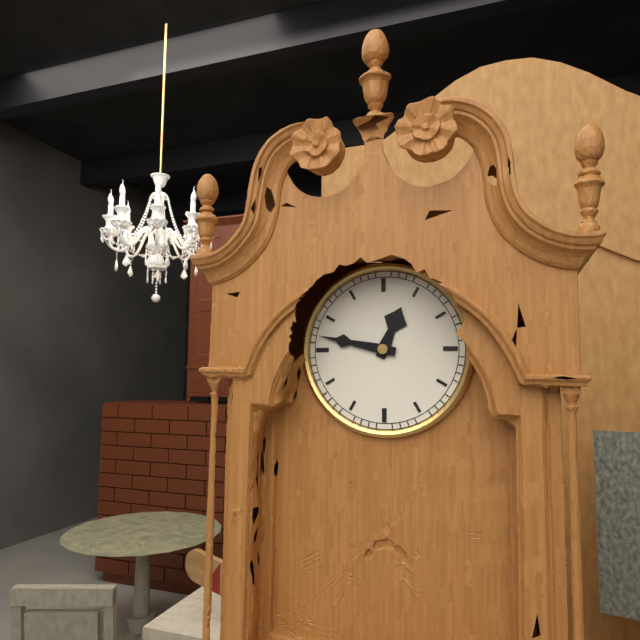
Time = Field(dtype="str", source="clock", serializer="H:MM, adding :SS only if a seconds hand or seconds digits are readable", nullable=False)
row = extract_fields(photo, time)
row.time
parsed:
12:47
